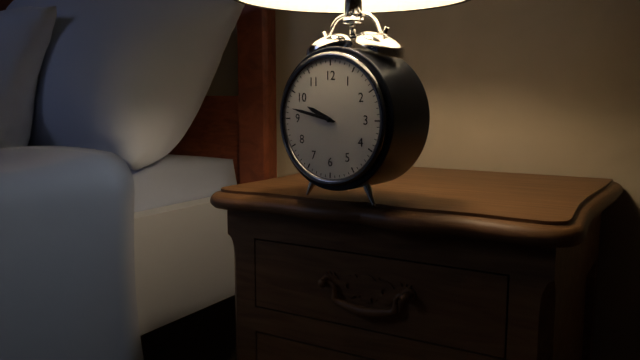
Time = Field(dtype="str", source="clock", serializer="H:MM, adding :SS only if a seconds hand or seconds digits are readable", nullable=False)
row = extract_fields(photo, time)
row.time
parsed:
9:47
